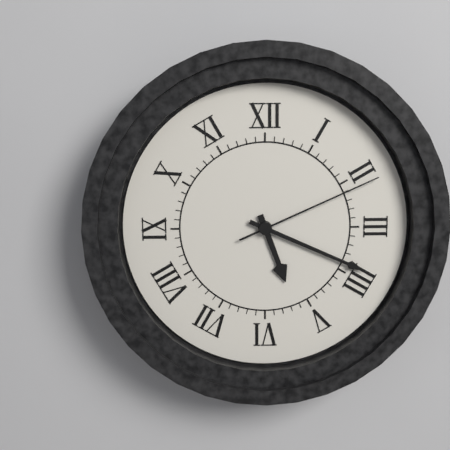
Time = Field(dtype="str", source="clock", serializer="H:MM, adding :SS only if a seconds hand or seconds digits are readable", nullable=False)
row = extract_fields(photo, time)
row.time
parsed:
5:19:11
